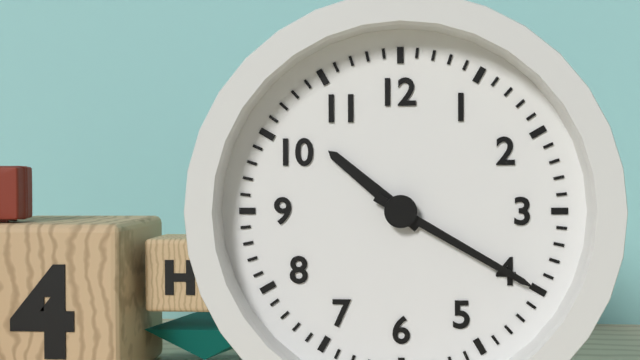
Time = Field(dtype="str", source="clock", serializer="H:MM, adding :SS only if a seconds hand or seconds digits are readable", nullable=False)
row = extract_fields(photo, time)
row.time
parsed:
10:20
